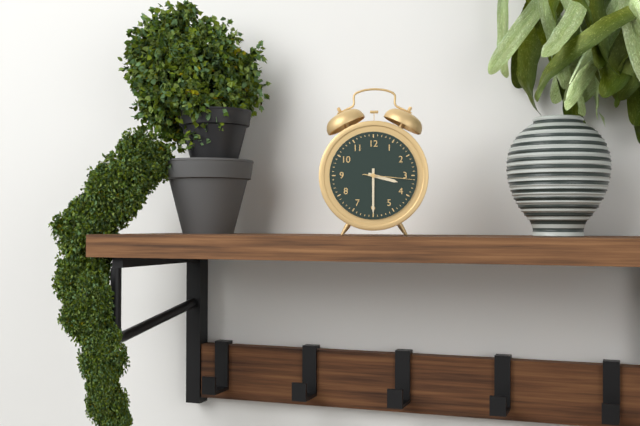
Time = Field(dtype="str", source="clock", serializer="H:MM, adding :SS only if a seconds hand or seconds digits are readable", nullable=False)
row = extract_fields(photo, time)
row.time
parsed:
3:30
